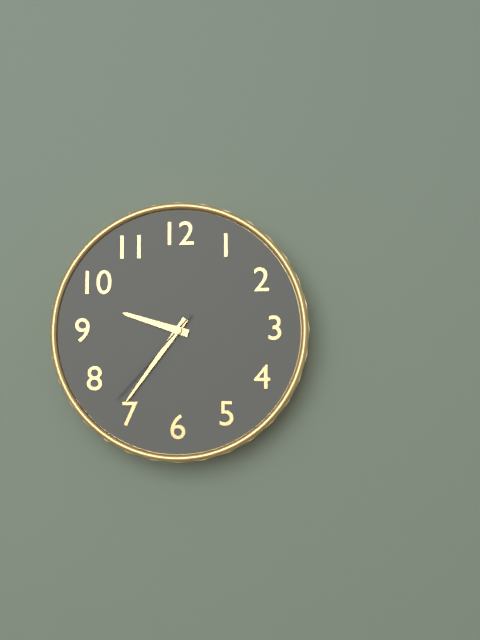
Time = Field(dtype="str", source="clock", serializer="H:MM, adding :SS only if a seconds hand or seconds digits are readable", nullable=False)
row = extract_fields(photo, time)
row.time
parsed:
9:36:37
